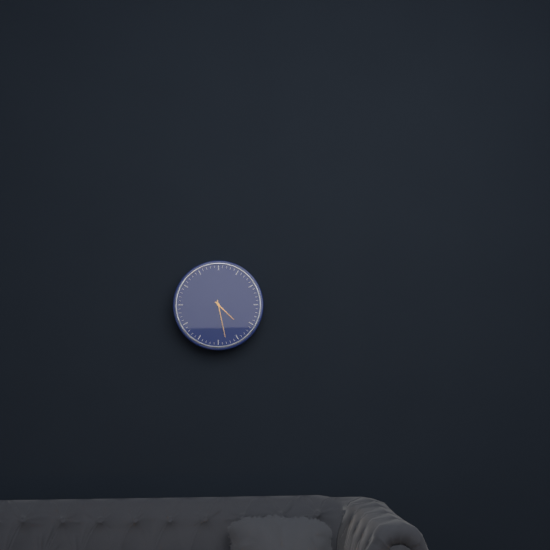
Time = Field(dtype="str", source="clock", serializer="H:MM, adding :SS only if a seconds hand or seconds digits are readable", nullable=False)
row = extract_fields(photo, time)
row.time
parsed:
4:28
